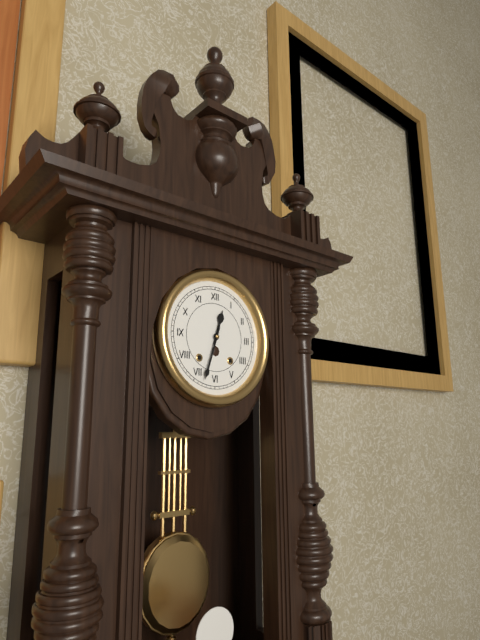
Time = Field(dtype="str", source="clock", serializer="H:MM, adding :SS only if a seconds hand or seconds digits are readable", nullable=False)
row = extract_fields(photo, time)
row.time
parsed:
12:33
